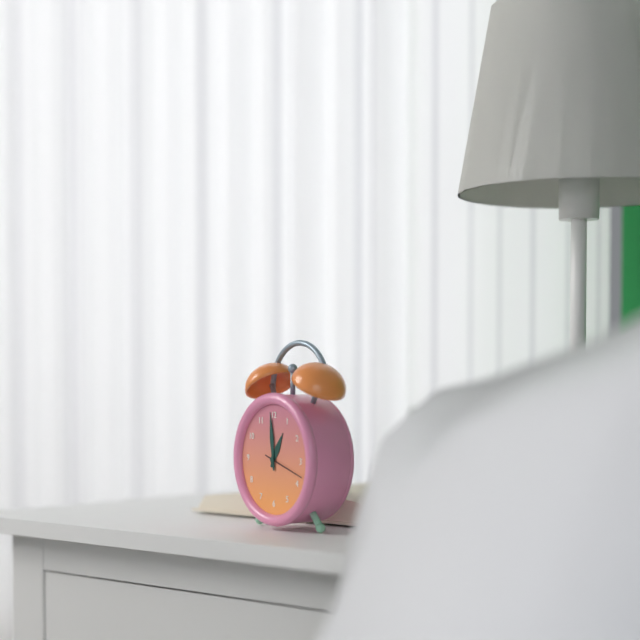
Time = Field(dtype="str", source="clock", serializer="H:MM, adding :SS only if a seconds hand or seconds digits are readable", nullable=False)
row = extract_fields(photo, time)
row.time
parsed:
12:59
